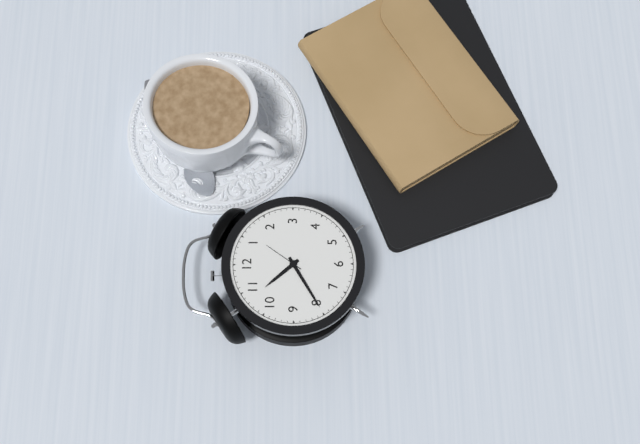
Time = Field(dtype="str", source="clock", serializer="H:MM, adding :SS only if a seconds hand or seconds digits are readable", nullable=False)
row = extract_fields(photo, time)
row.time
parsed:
10:40
